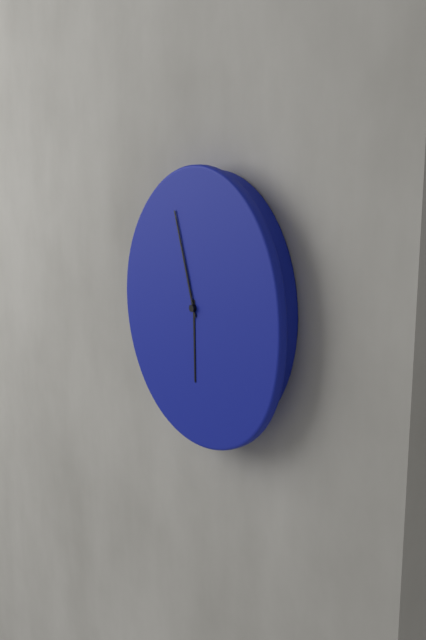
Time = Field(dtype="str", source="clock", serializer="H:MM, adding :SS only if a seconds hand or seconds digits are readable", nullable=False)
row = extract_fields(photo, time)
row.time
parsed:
5:57
